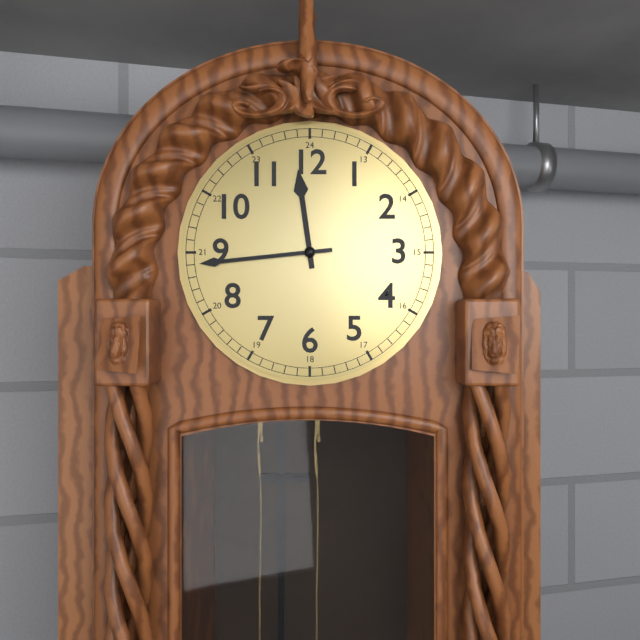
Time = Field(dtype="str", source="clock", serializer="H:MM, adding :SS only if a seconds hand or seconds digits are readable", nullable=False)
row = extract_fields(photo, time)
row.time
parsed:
11:44
